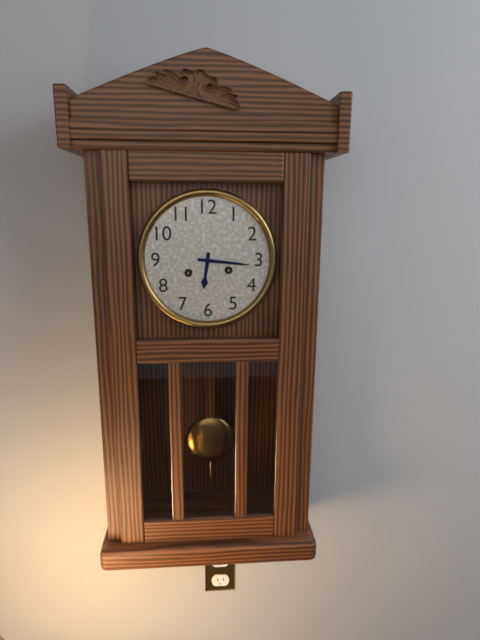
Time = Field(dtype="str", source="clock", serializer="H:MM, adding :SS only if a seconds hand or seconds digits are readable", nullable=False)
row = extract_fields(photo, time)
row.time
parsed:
6:16
